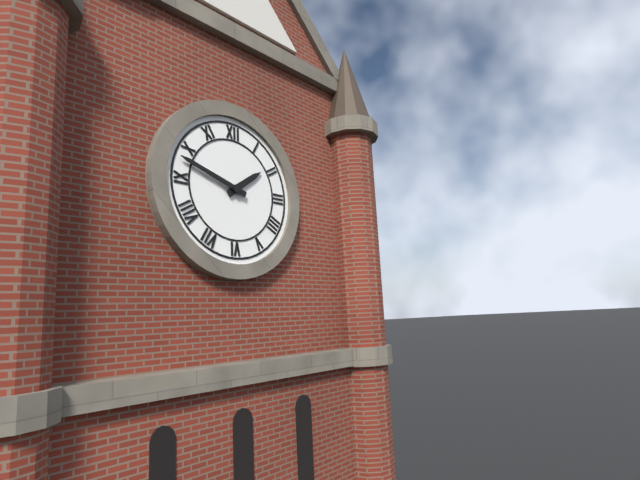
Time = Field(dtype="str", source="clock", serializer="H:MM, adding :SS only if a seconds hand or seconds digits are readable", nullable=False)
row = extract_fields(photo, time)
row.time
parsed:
1:48
